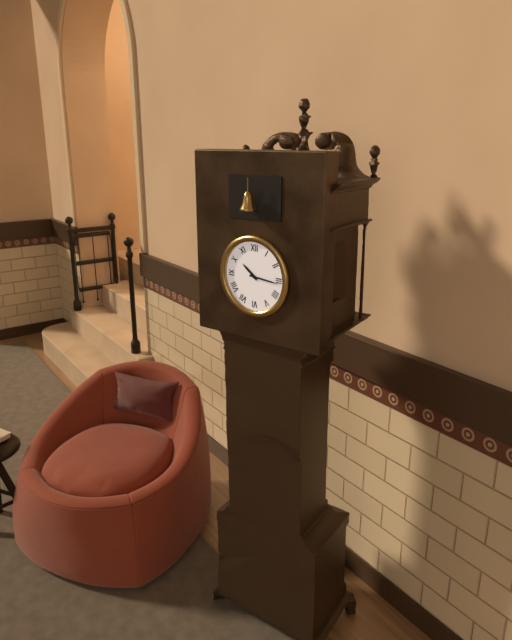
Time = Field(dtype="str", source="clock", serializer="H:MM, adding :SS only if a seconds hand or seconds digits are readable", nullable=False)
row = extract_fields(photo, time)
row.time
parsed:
10:16
